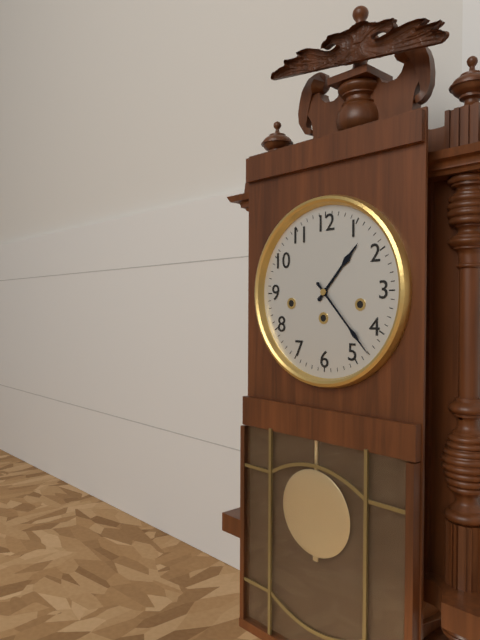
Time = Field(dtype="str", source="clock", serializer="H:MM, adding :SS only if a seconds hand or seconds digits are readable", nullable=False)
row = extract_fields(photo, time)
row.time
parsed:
1:23
